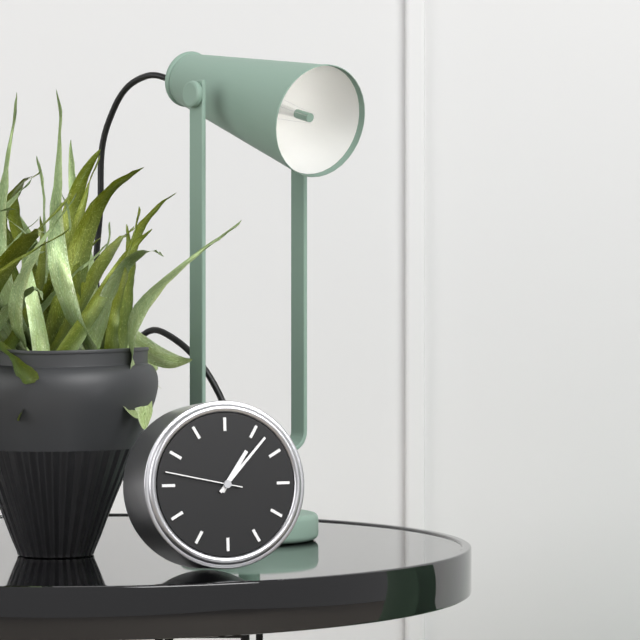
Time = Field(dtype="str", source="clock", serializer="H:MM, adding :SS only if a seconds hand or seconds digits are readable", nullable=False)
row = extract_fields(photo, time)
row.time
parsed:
1:07:47
